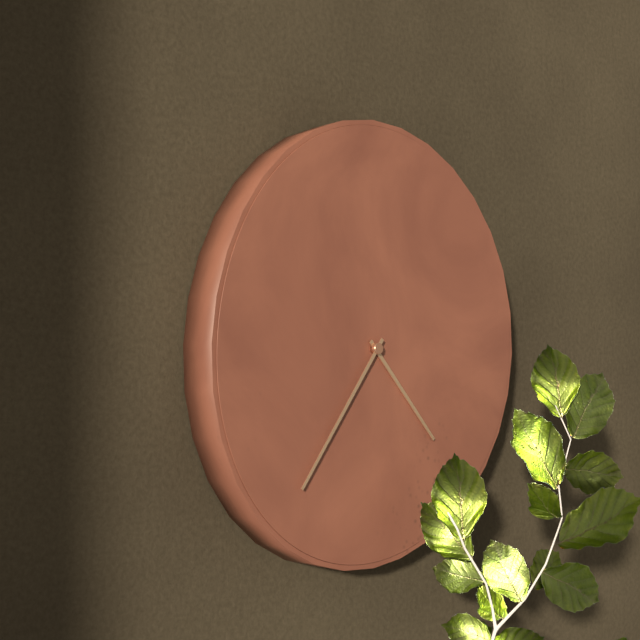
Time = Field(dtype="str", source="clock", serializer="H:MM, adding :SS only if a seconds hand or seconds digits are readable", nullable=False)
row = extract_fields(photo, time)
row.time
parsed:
4:36
